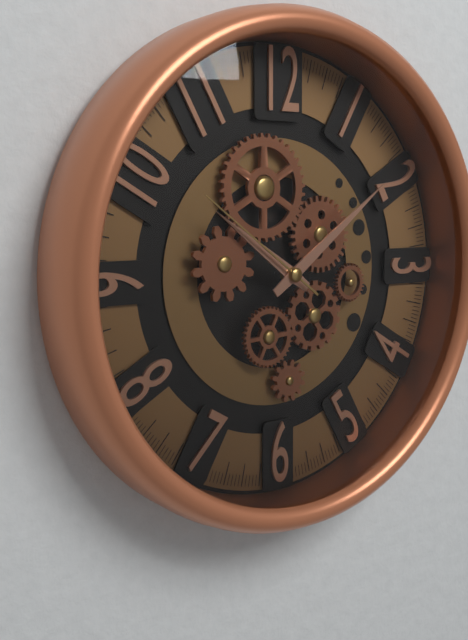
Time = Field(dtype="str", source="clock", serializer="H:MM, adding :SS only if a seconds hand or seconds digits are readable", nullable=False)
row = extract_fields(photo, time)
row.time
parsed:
10:09:51
